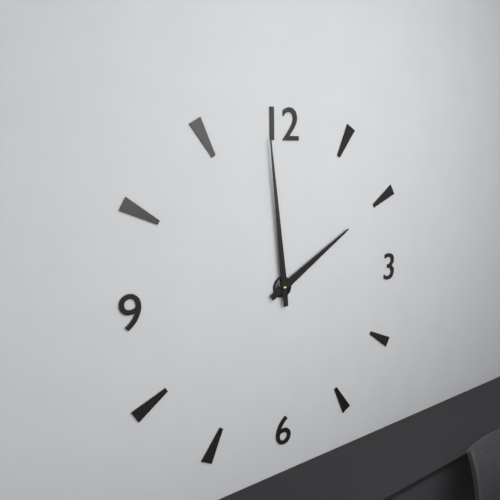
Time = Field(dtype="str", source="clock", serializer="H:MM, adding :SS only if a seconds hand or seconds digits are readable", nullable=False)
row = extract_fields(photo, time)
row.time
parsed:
1:59
